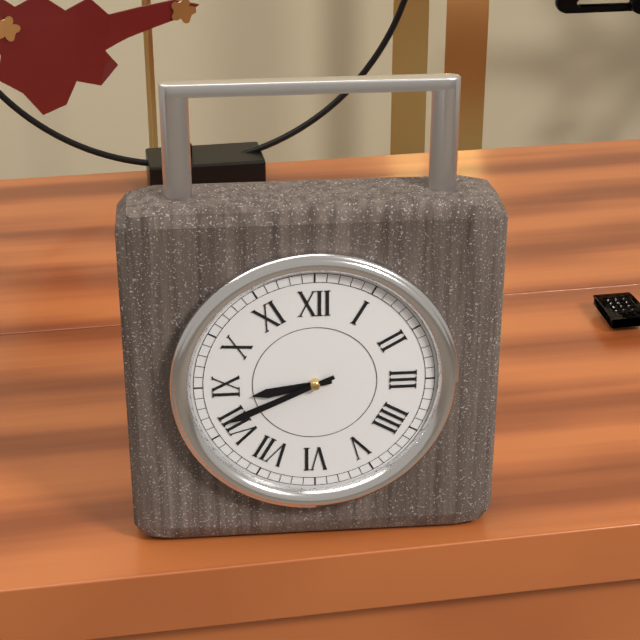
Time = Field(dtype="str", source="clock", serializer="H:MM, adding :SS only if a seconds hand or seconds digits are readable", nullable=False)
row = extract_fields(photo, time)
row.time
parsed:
8:41
